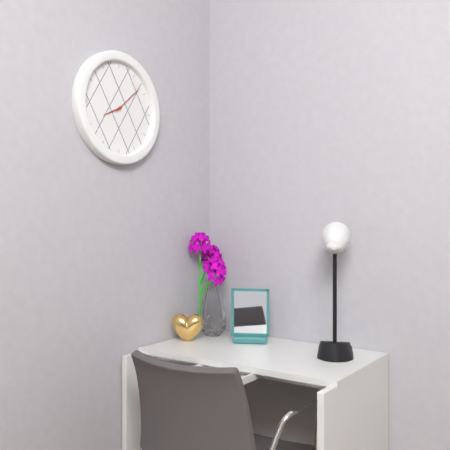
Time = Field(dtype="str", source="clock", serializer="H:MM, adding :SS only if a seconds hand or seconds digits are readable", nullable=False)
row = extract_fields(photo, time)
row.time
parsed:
8:08
